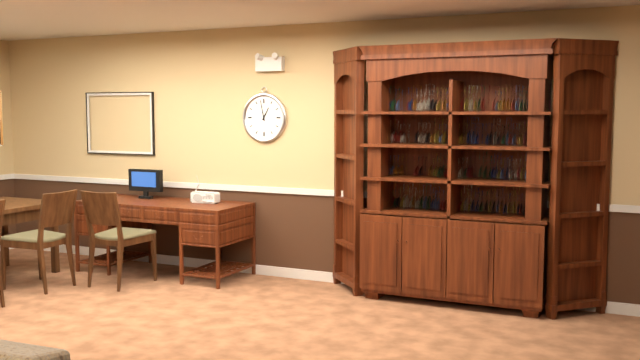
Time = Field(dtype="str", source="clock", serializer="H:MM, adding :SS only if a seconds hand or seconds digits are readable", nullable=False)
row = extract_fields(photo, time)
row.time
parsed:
12:58
